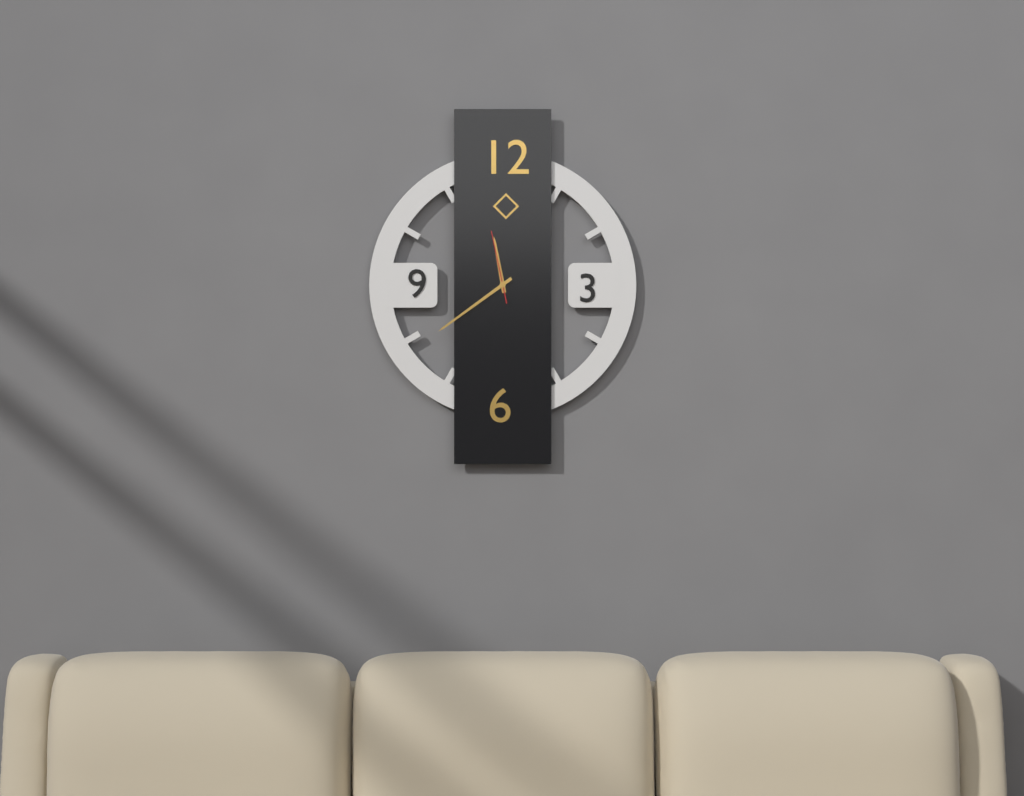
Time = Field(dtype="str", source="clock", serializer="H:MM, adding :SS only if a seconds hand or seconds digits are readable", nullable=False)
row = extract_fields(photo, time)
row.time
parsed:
11:39:58
